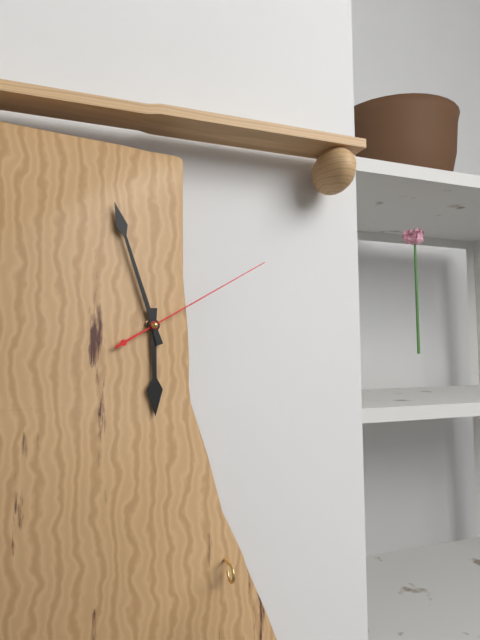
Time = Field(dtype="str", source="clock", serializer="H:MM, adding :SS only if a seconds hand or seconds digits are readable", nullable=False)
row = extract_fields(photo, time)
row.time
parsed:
5:57:10
